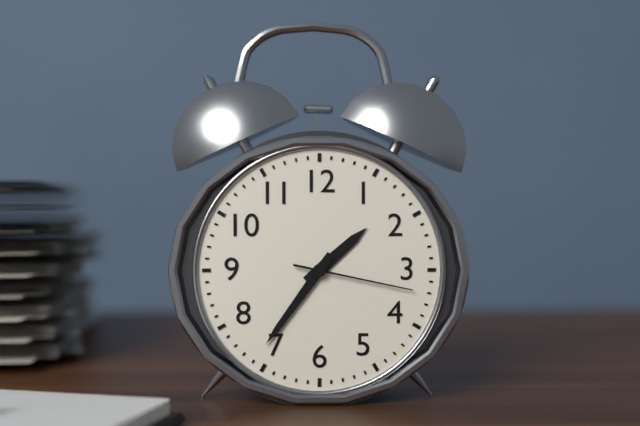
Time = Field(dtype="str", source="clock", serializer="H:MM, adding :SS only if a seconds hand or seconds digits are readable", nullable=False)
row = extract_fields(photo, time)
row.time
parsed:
1:36:17
